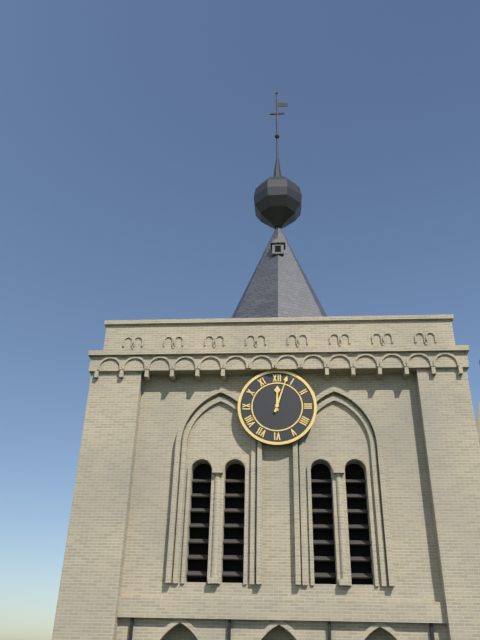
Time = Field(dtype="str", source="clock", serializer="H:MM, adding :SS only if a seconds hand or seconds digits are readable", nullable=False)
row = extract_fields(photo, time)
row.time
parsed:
12:03
